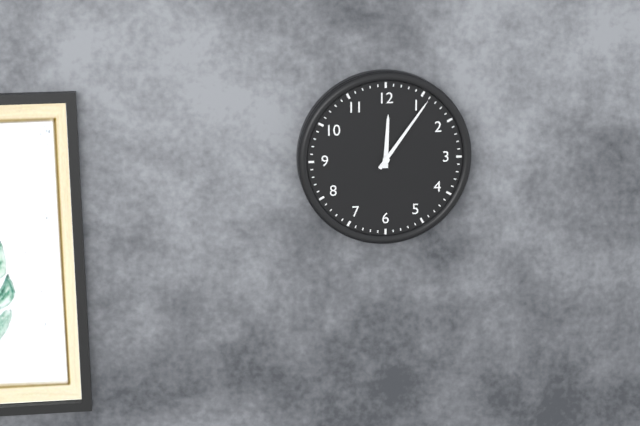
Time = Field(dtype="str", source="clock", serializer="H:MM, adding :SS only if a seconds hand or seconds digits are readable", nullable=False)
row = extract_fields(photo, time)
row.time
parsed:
12:06
